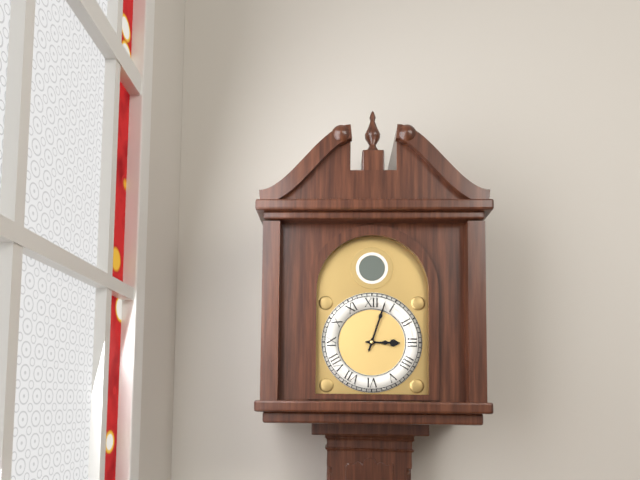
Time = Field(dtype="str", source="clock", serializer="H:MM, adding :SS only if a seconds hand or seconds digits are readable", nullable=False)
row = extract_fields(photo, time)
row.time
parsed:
3:03
